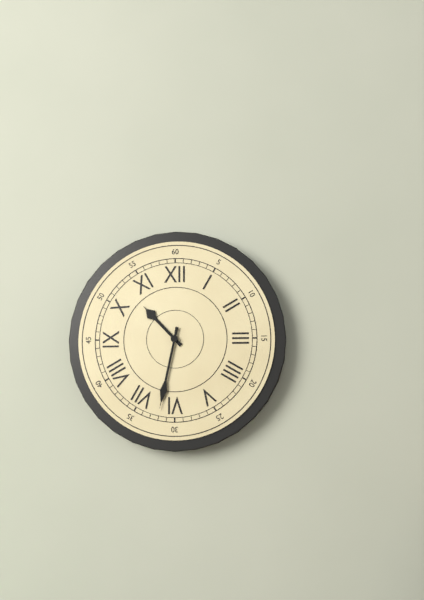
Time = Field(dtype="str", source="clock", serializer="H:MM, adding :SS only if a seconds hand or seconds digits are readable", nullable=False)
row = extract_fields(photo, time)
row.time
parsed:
10:32
